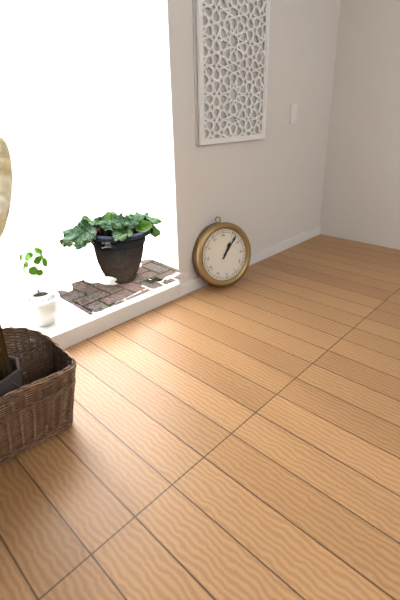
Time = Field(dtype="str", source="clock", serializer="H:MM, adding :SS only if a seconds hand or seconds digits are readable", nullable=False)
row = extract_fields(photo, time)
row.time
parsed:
1:07
